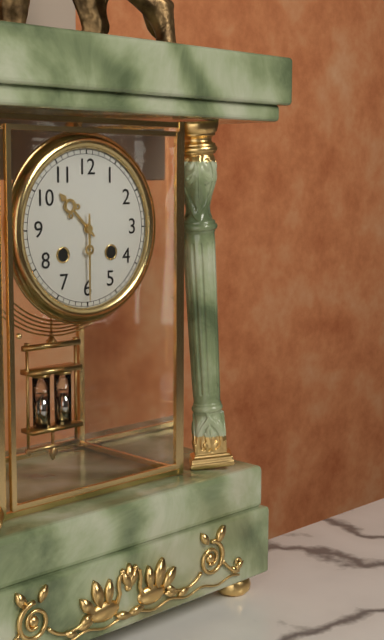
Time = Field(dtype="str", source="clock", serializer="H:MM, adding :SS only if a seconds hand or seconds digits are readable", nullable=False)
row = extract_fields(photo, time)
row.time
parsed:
10:30
